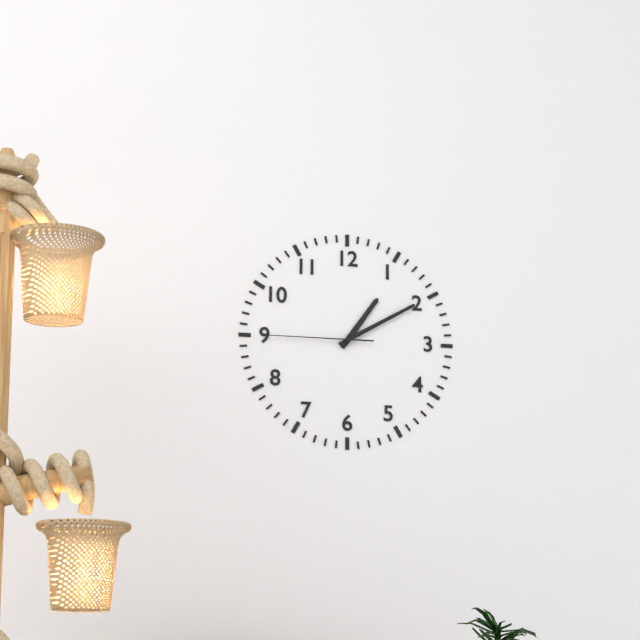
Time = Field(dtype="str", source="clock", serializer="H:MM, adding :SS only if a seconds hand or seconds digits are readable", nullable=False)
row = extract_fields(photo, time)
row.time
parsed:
1:10:45
